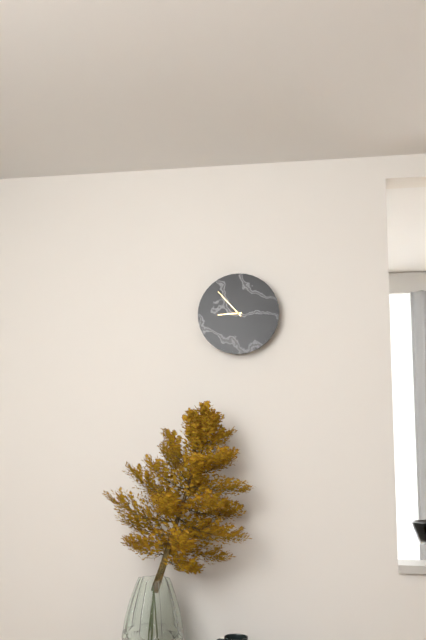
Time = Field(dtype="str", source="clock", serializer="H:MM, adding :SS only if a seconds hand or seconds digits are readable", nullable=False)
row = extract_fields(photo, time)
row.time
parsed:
8:53
